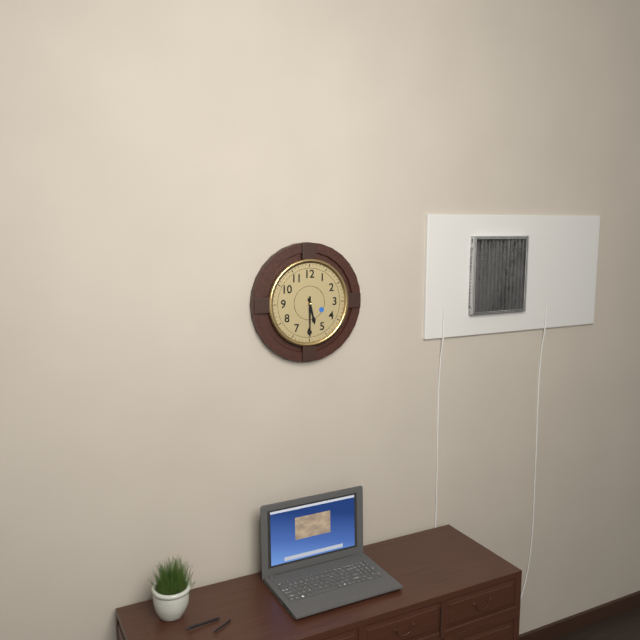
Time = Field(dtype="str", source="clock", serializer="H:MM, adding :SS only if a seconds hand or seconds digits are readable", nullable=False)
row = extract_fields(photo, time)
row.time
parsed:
5:30
